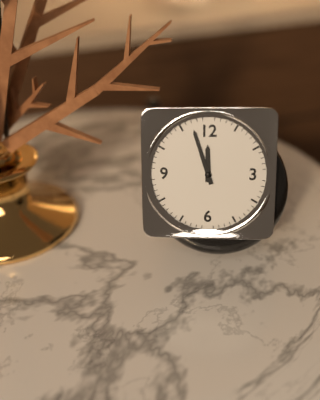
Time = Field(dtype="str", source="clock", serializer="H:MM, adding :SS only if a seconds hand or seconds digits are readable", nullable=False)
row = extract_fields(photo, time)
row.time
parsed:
11:57
